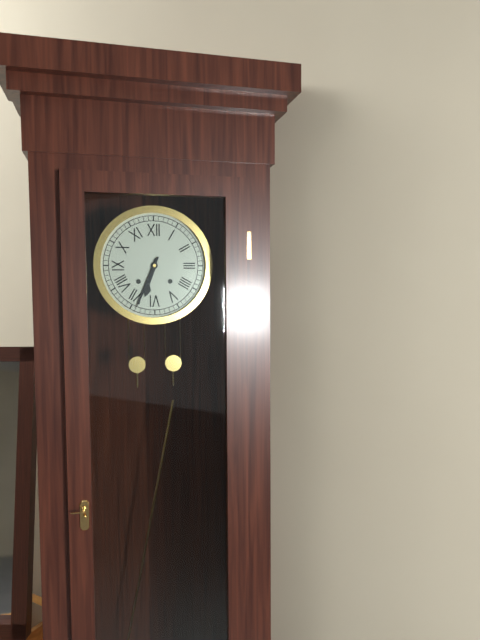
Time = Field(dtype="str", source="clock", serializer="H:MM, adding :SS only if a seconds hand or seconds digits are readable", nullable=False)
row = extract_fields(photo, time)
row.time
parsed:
6:34
